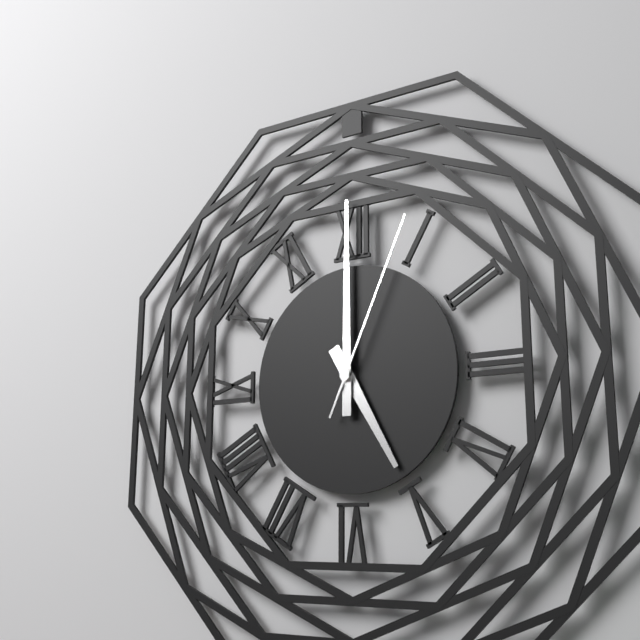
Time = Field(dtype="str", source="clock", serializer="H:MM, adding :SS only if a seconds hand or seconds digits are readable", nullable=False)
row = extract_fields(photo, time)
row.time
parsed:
5:00:04
